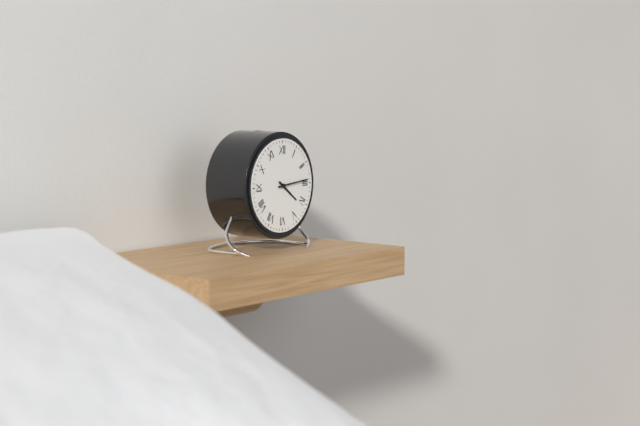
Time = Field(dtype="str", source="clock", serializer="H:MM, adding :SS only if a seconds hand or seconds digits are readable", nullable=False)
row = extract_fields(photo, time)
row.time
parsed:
4:14
